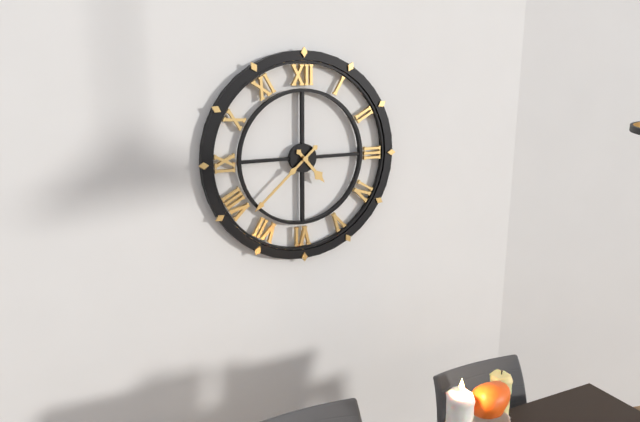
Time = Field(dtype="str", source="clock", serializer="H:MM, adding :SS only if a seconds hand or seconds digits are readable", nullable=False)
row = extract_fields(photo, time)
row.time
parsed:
4:38
